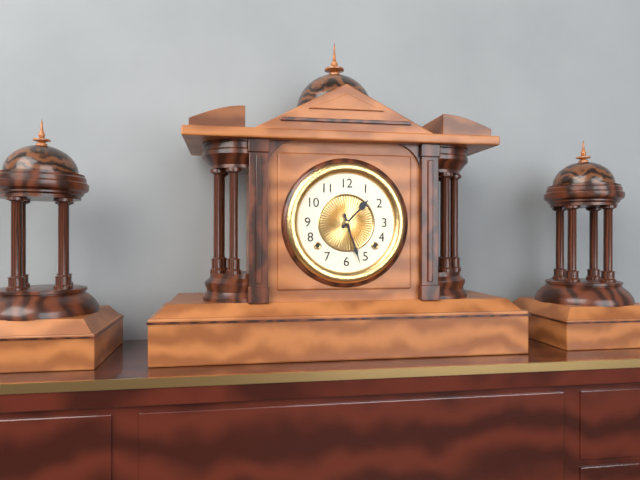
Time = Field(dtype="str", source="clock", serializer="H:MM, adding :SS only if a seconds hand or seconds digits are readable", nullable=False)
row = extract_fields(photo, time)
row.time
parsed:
1:27
